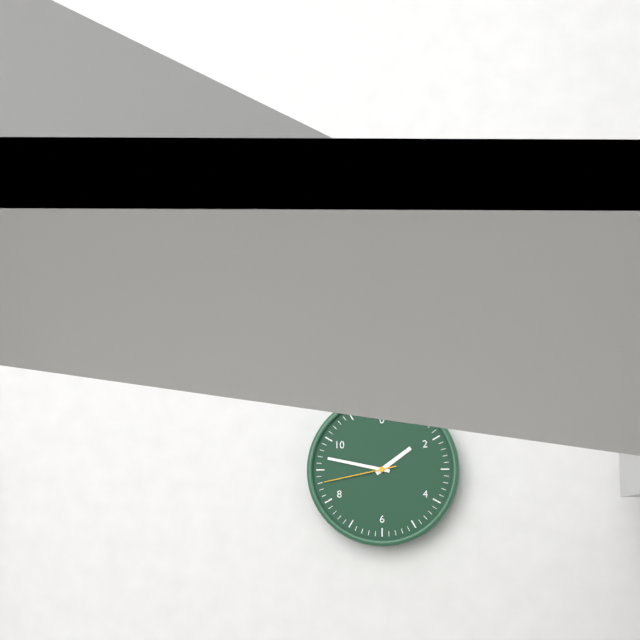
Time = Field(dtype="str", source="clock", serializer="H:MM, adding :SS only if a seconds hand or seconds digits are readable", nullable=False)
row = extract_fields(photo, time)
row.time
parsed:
1:47:43
